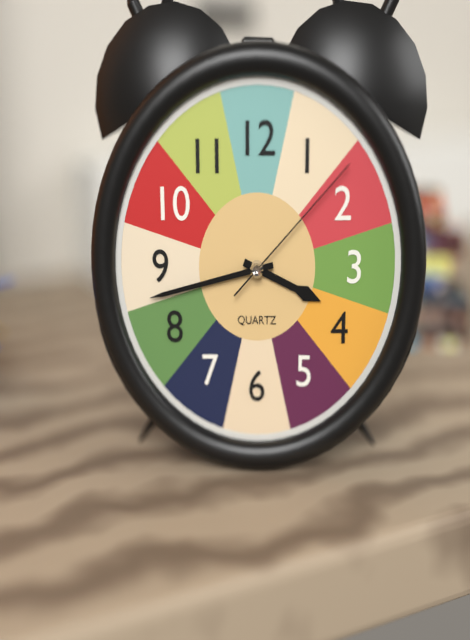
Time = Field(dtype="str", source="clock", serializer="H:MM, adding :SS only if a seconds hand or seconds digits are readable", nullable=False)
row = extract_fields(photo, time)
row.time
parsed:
3:43:08
